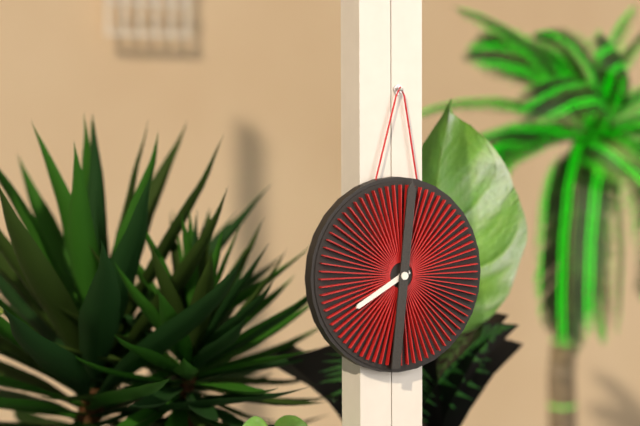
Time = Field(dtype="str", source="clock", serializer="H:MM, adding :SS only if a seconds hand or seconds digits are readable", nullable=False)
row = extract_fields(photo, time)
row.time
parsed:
8:01:01
